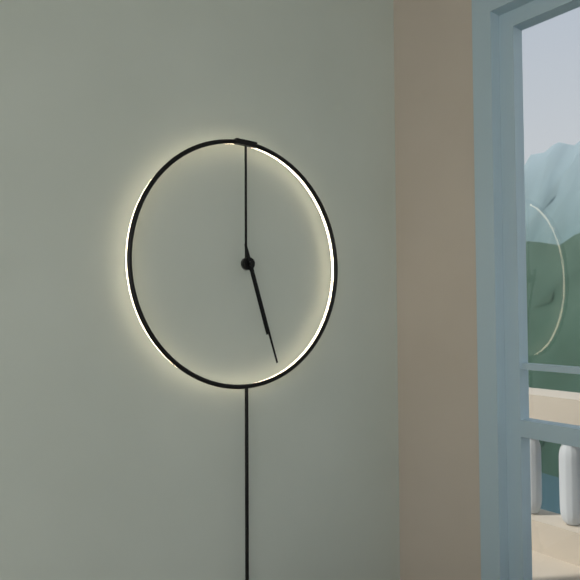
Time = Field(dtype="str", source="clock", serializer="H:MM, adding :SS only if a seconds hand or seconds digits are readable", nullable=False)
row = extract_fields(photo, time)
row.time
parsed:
5:27
